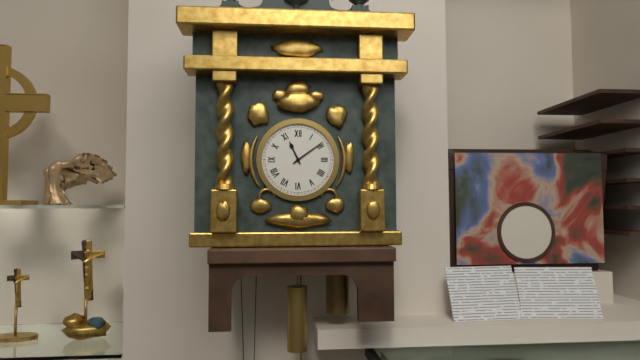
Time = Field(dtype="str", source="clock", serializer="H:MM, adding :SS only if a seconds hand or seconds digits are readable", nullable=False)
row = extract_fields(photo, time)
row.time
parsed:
11:09
